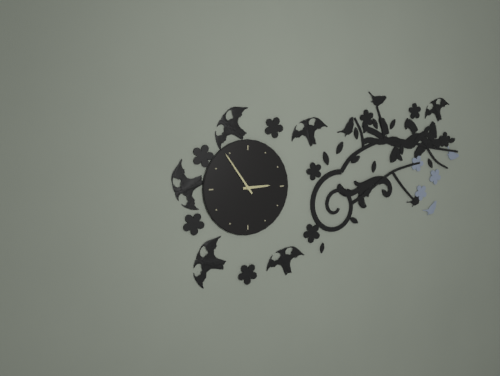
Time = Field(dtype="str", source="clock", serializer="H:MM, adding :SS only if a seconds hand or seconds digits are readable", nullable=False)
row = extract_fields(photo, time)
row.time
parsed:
2:54
